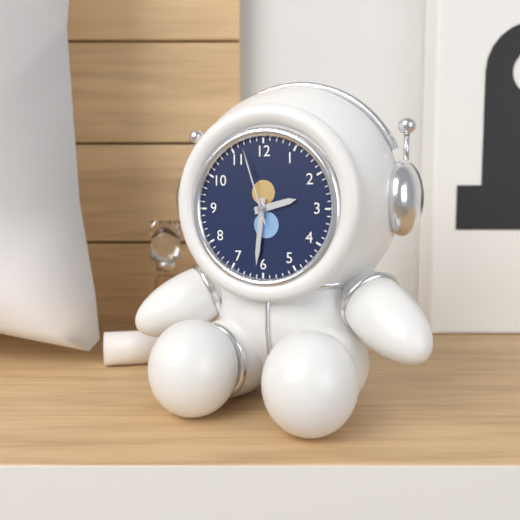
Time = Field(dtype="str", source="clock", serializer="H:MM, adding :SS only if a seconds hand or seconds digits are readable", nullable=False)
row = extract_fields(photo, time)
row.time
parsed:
2:31:57
